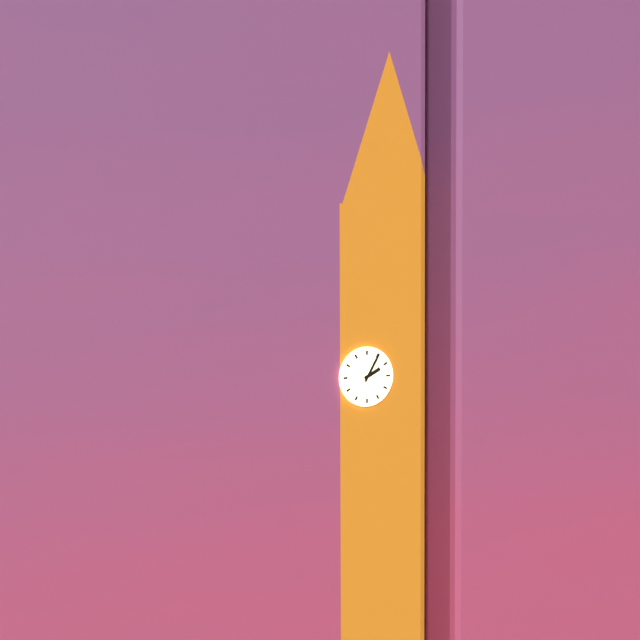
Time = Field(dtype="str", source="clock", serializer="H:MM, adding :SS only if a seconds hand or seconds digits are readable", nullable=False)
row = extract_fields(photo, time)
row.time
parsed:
2:05
